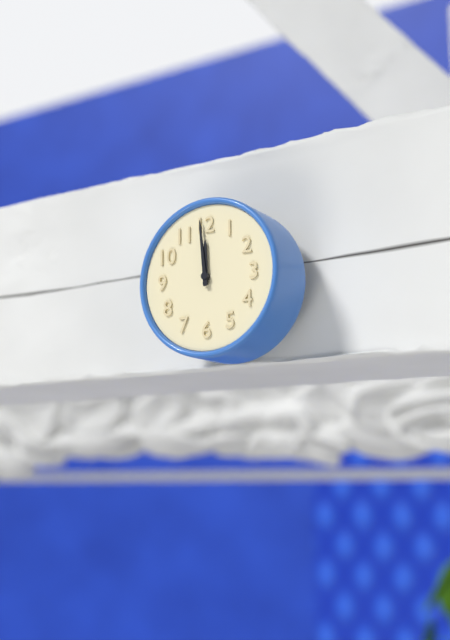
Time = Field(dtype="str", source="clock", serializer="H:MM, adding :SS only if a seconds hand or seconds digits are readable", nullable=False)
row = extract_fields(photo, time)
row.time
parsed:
11:59
